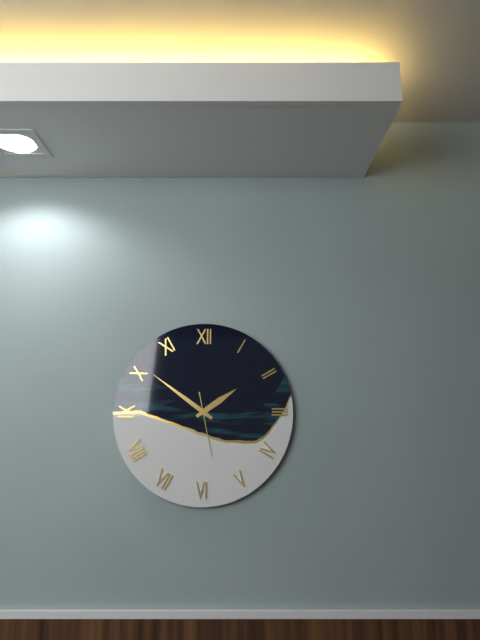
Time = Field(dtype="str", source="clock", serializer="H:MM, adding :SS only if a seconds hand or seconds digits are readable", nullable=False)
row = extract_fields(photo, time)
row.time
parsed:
1:51:28
